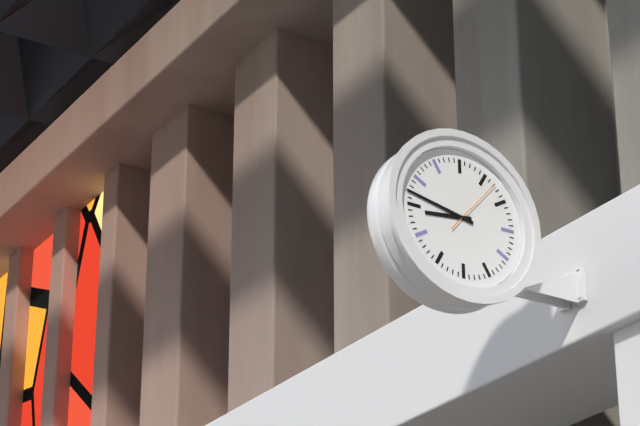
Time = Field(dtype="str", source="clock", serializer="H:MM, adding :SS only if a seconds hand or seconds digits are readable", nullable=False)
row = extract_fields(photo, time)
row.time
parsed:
8:47:07
